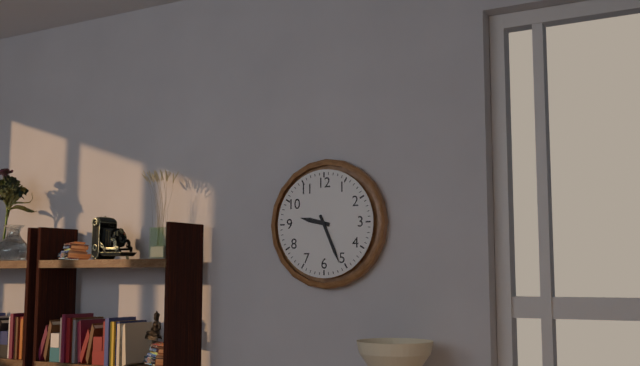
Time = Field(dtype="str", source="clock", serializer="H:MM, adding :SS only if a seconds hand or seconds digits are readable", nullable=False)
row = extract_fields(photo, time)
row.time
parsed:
9:26
